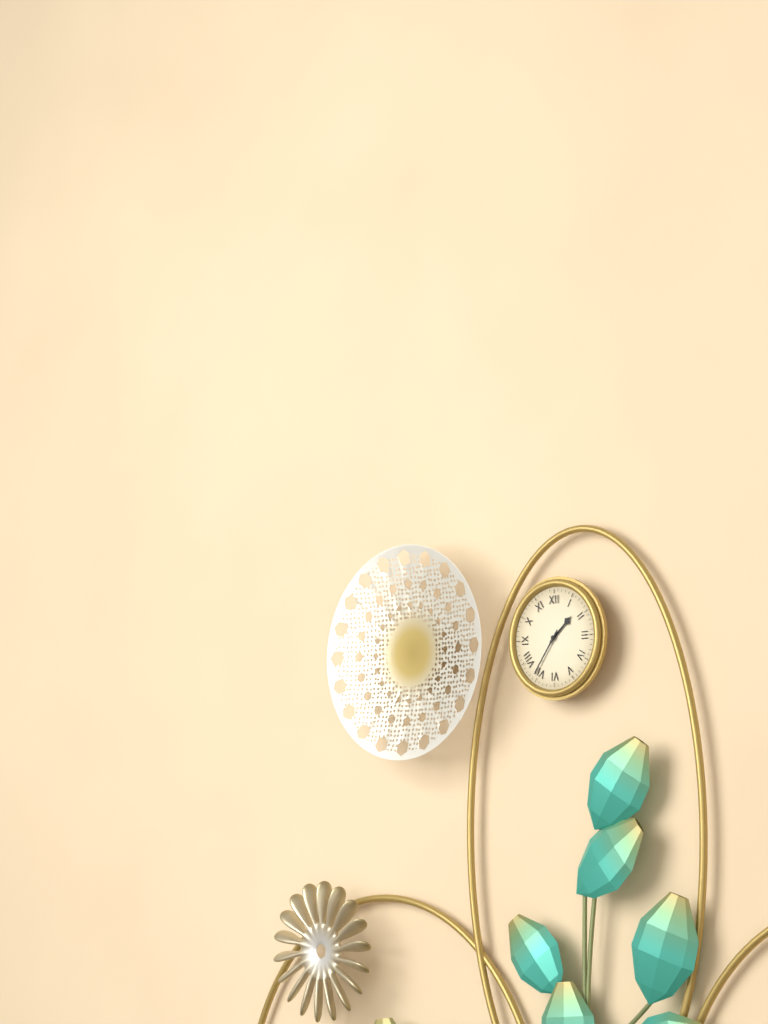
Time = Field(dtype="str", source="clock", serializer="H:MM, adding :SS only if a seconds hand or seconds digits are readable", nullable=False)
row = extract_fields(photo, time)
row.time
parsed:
1:36
